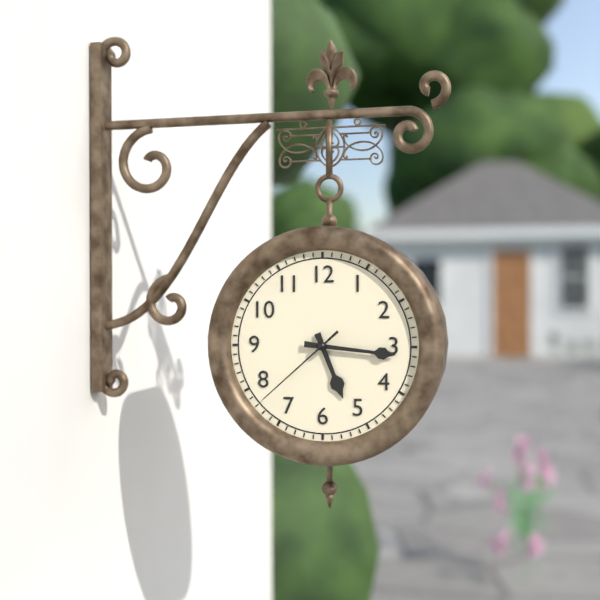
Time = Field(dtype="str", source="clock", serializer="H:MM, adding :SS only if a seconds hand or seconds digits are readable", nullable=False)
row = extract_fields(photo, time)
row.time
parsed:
5:16:38
